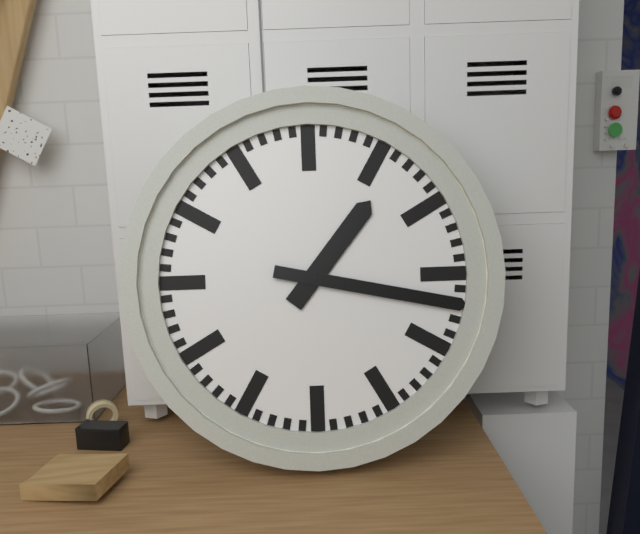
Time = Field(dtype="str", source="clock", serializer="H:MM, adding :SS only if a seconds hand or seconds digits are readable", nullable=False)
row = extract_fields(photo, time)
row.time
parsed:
1:17
